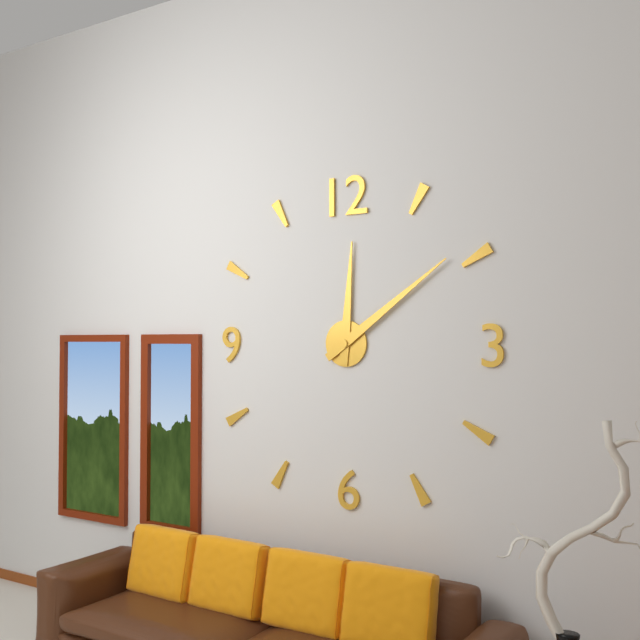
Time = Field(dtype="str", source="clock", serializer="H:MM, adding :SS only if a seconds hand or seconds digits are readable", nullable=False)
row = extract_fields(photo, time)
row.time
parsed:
12:09
